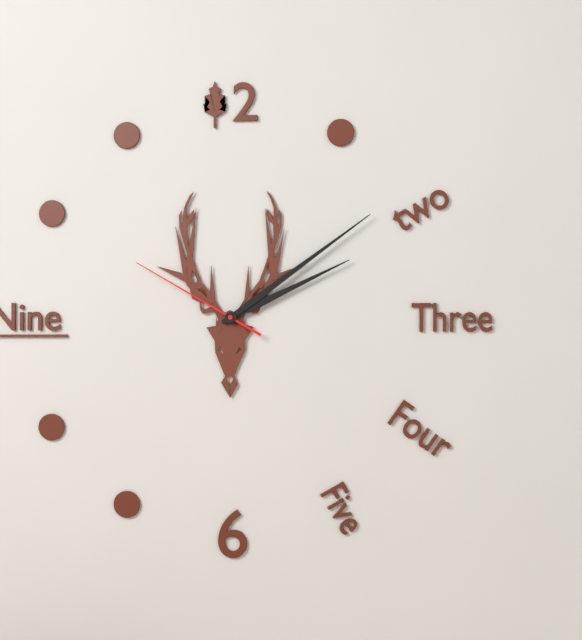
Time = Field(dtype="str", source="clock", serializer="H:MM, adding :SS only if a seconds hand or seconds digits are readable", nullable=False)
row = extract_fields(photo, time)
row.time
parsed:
2:09:50
